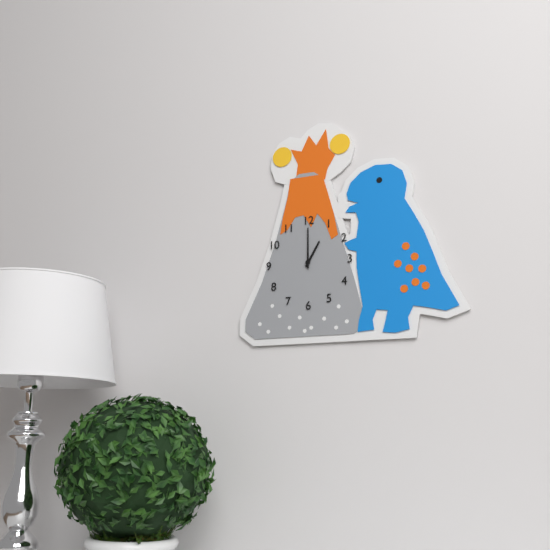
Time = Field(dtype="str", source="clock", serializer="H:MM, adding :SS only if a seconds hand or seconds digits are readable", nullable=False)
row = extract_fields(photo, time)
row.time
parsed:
1:00
